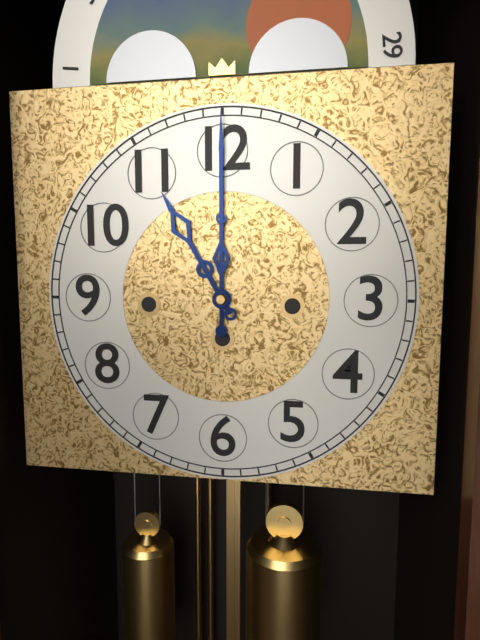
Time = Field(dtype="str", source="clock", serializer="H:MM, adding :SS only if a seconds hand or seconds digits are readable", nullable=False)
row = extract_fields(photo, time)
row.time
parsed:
11:00
